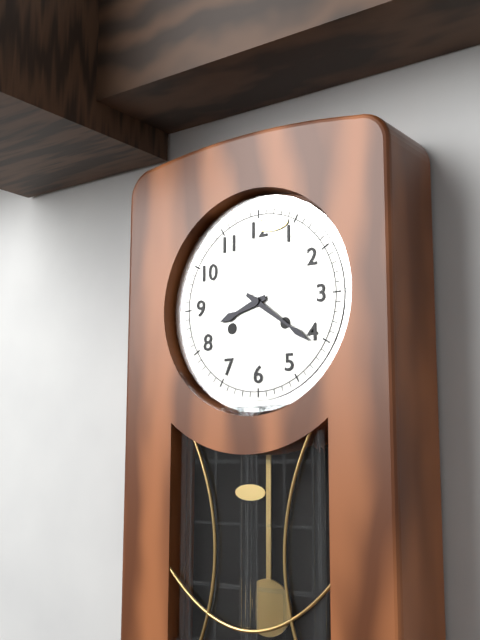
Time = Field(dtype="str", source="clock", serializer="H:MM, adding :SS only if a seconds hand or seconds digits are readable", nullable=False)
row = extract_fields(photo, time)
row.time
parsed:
8:21
